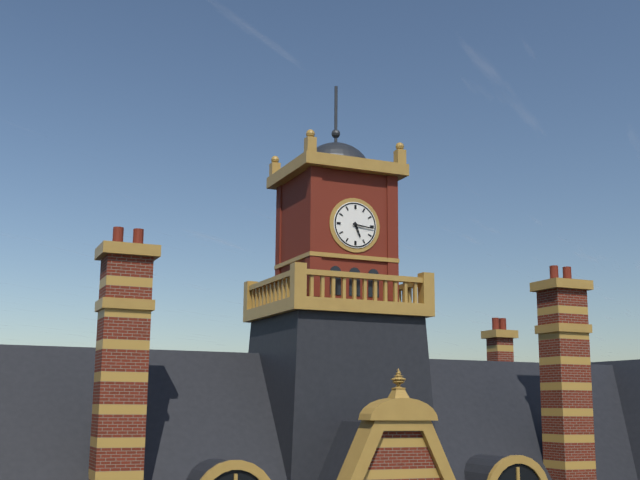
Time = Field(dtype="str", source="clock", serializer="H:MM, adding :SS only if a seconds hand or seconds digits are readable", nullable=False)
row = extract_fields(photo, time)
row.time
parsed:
5:16
